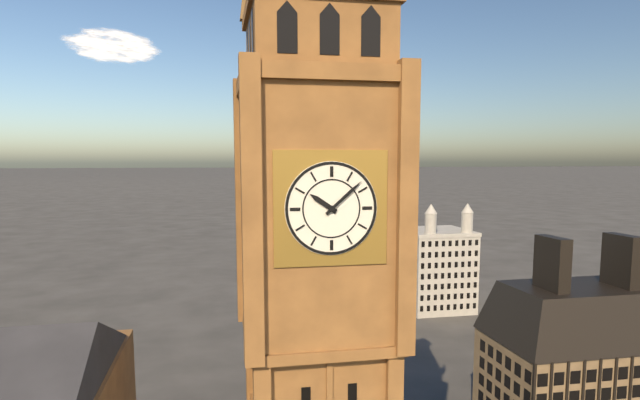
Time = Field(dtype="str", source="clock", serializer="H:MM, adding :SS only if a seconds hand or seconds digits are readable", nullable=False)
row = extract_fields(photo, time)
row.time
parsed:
10:08
